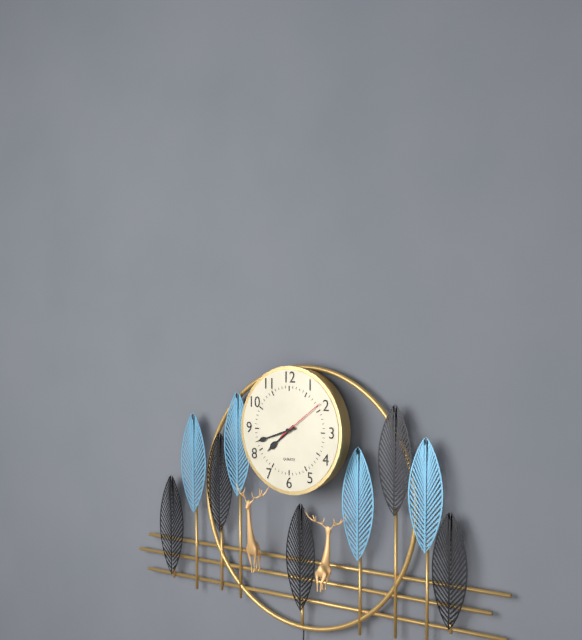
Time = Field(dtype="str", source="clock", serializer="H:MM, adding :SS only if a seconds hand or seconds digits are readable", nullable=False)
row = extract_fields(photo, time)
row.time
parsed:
7:42:09
